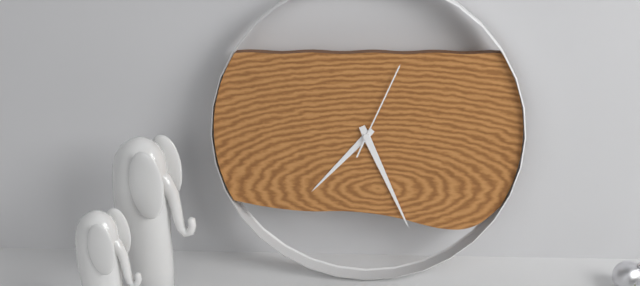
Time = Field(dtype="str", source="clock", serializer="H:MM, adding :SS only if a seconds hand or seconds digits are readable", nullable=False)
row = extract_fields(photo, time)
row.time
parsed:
7:26:04
